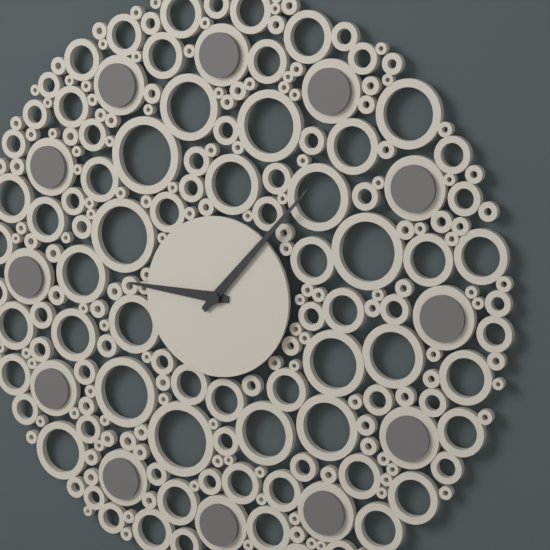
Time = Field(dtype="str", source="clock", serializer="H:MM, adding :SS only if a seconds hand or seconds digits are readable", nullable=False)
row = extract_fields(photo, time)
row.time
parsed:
9:07
